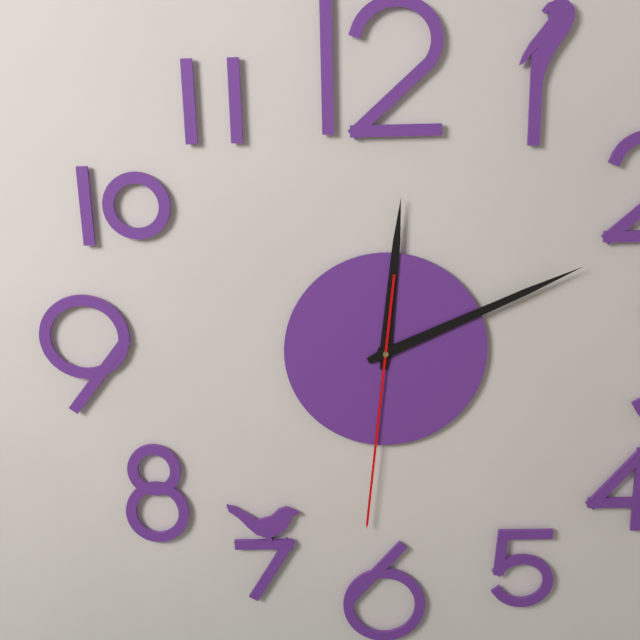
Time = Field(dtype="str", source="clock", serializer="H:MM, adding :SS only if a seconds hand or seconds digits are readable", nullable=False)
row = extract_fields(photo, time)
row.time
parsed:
12:11:31
